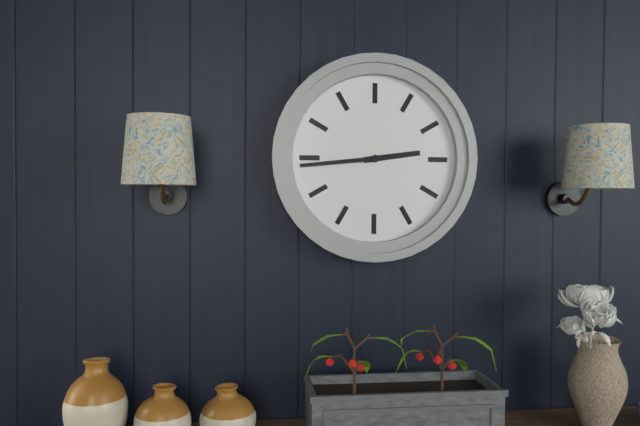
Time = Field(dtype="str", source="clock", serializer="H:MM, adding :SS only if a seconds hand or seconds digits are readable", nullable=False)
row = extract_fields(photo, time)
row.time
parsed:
2:44
